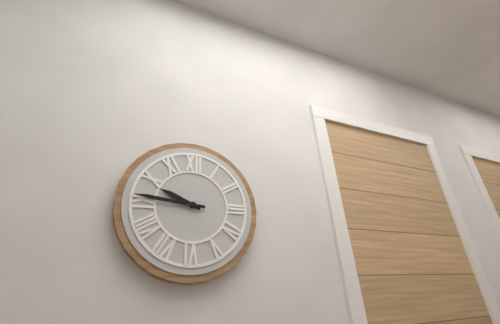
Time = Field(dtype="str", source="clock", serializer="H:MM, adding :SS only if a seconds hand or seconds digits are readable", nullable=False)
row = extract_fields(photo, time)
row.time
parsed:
9:46
